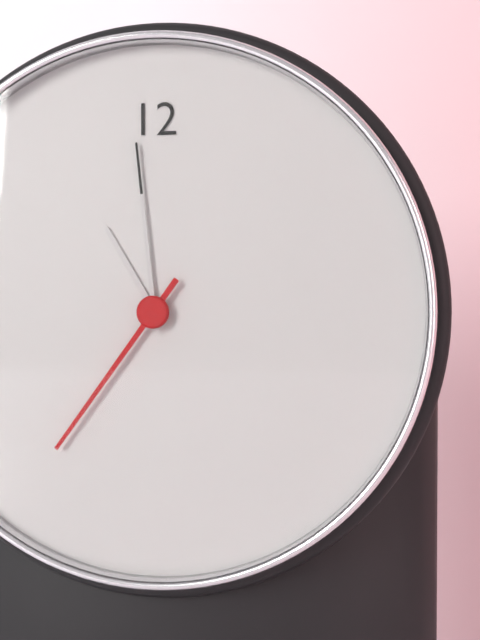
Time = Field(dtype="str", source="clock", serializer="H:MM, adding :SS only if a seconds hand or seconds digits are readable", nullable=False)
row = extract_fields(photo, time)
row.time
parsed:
10:59:36
